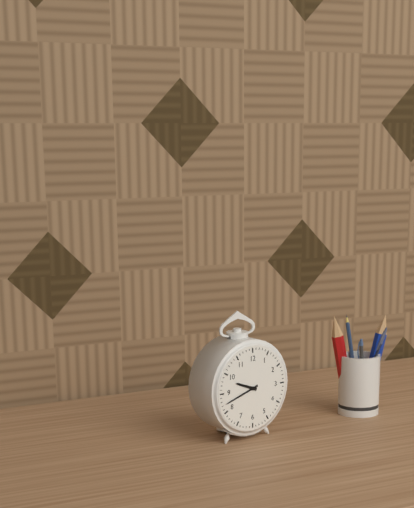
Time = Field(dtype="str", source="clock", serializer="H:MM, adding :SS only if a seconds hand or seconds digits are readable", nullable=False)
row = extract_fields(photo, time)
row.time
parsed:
9:42
